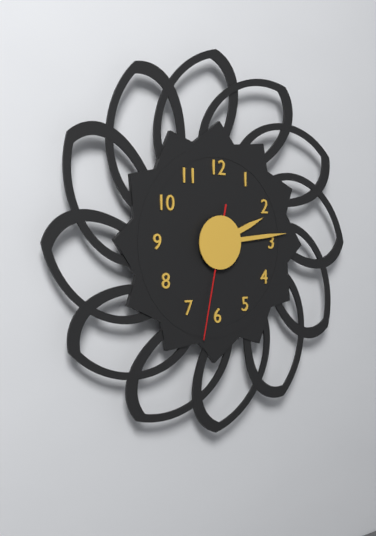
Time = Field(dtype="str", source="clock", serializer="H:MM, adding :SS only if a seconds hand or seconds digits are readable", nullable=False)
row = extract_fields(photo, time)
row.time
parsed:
2:14:32
